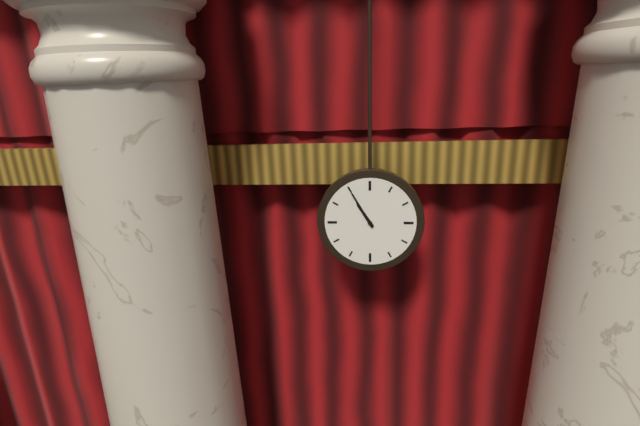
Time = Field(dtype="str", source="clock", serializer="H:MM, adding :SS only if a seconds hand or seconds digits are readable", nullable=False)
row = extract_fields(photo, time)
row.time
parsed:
10:55
